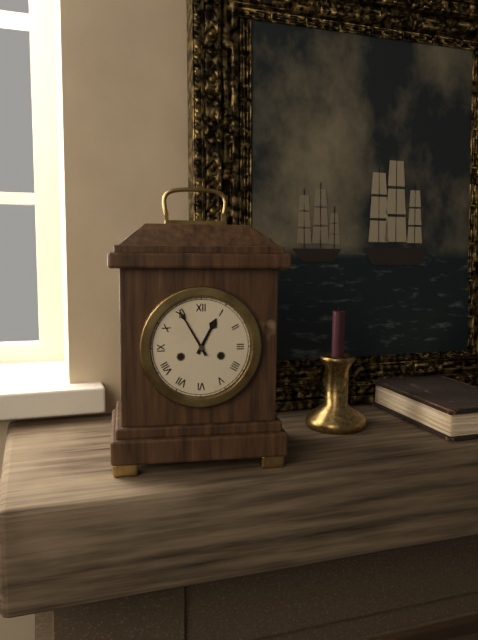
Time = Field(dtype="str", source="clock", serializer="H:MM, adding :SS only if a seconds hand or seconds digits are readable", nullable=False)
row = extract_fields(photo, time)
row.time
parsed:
12:55
